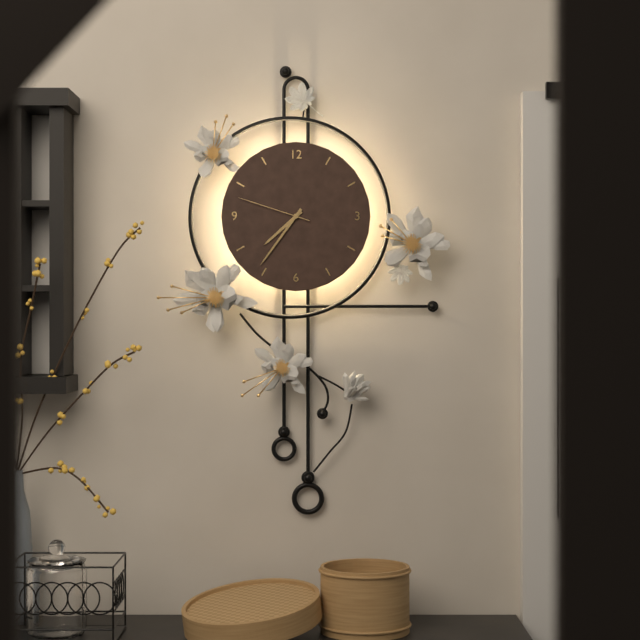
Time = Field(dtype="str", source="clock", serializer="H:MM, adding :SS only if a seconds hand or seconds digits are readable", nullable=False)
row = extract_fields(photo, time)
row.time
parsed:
7:36:48
